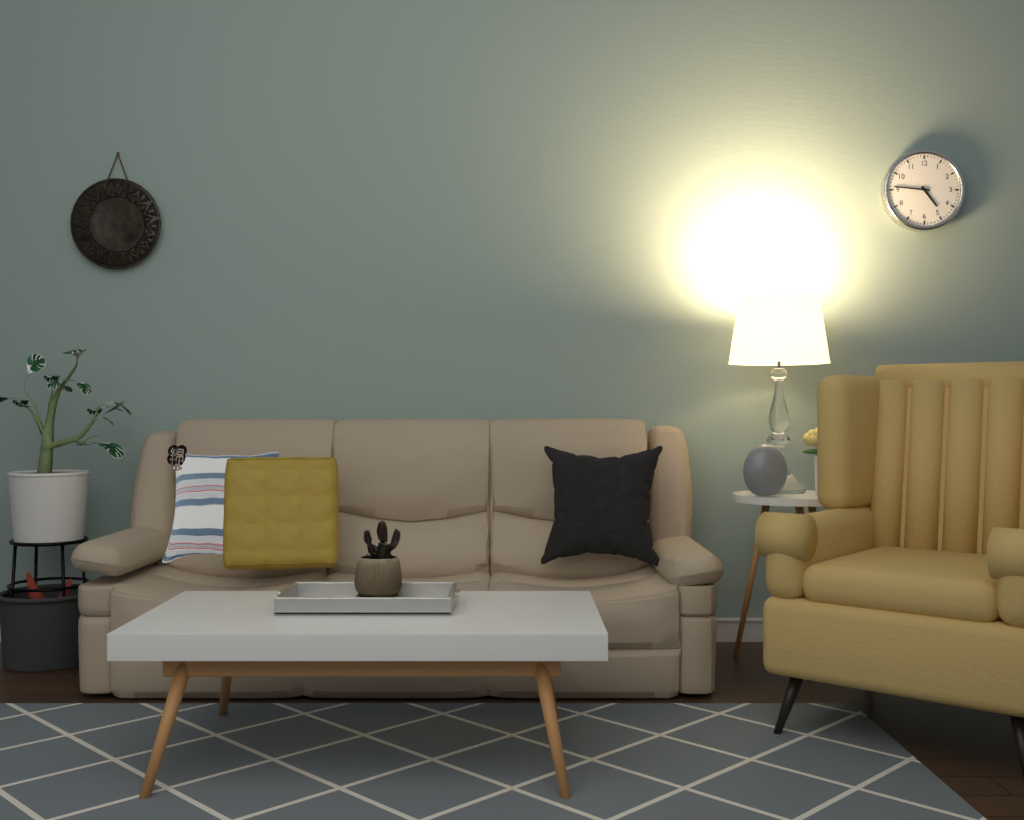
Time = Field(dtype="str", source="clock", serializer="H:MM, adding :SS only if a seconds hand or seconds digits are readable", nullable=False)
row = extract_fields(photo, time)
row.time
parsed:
4:46
